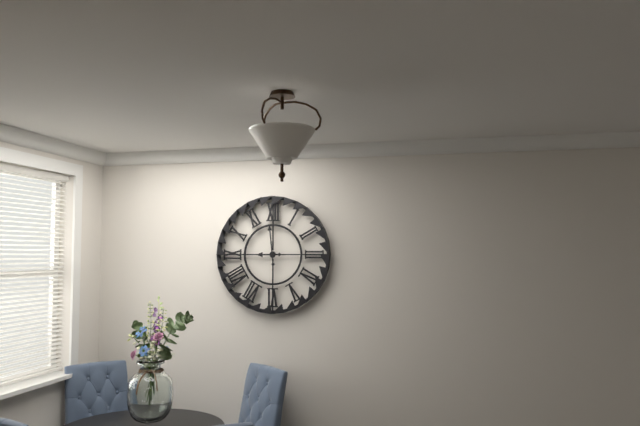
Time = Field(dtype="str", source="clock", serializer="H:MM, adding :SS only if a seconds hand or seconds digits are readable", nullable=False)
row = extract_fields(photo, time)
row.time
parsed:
8:59
